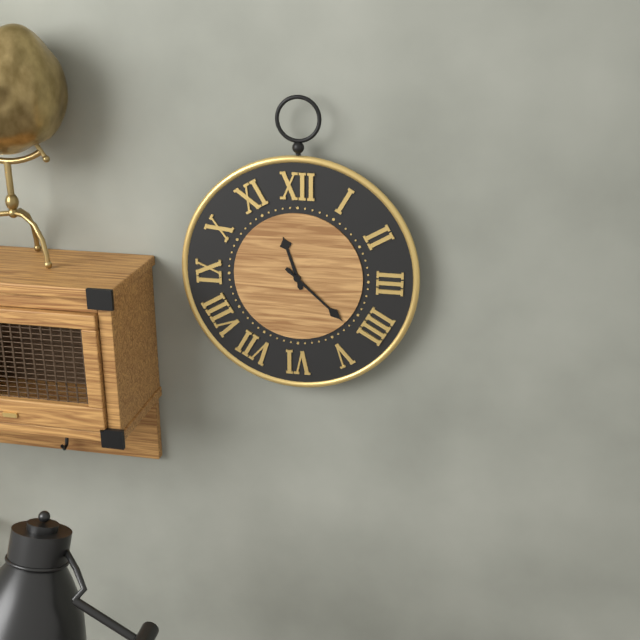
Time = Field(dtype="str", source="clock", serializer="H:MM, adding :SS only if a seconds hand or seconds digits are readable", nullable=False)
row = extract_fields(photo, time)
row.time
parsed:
11:22
